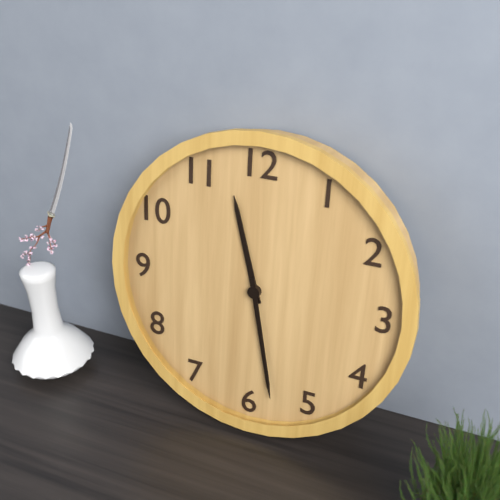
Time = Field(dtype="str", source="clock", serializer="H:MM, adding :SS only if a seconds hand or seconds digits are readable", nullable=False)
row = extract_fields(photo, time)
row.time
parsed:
11:28
